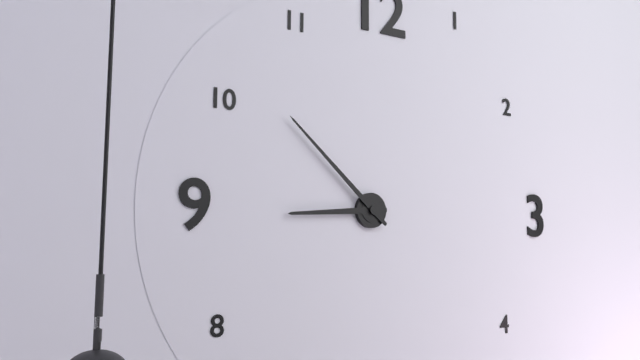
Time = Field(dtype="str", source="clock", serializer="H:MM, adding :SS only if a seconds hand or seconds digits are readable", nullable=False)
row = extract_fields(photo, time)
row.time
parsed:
8:52
